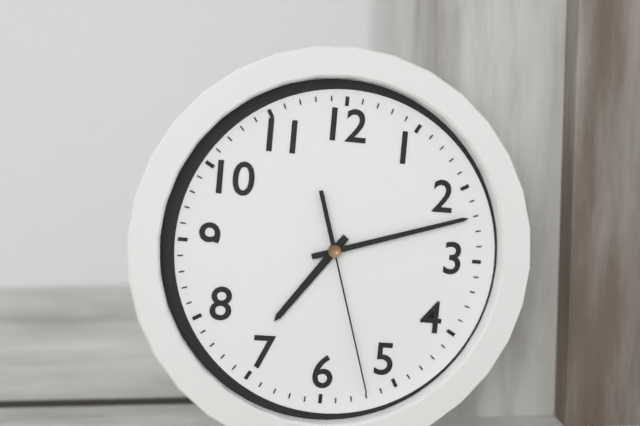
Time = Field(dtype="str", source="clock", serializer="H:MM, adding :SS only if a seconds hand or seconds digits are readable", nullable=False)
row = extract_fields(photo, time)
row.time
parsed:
7:12:27
